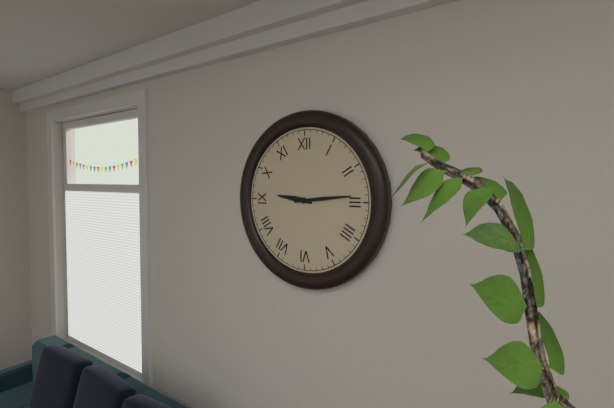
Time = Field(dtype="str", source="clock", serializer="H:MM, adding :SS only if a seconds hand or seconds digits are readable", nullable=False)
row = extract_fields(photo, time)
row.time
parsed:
9:14
